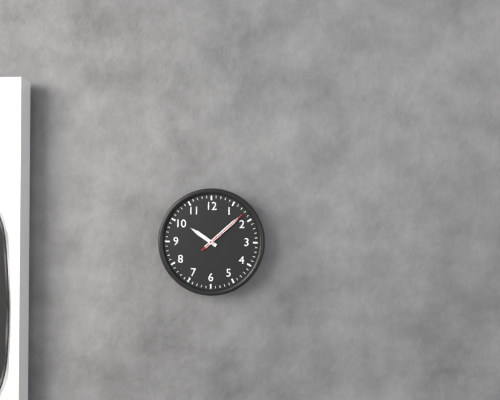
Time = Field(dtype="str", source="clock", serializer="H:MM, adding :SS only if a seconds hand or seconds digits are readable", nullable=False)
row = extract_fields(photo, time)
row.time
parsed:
10:08:08
